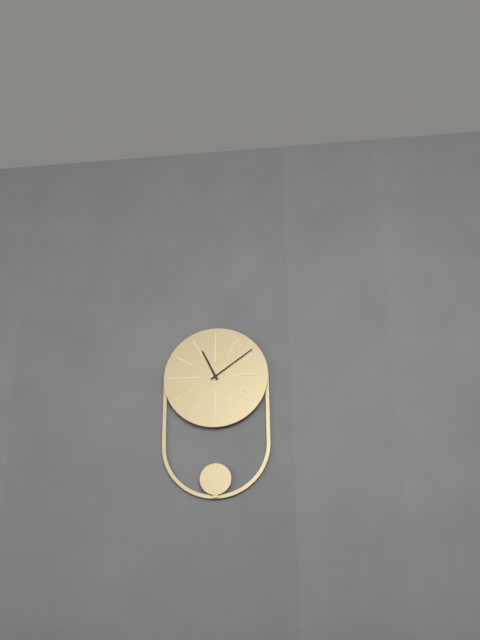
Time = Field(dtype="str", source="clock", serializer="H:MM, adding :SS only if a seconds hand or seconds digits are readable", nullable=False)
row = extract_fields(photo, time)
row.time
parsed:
11:09
